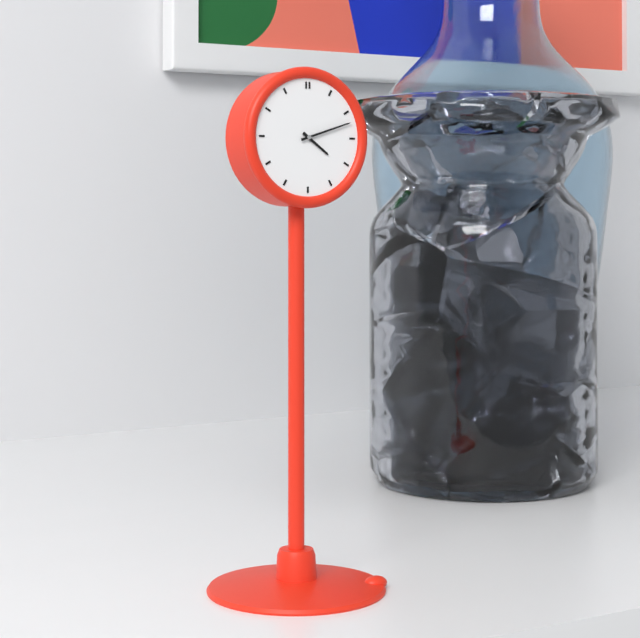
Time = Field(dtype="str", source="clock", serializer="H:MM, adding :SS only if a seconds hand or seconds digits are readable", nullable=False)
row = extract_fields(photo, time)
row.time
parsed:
4:12
